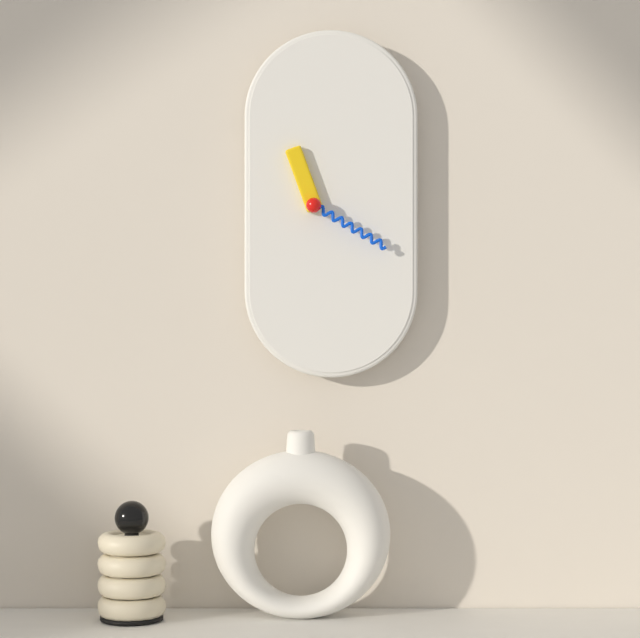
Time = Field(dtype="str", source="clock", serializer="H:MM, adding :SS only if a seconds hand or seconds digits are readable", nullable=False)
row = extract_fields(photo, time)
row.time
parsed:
11:20
